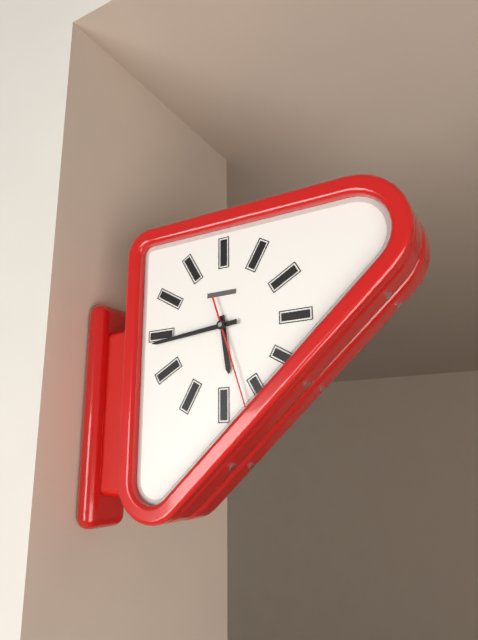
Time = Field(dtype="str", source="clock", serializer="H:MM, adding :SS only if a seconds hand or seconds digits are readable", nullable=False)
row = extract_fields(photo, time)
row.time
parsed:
5:44:27
